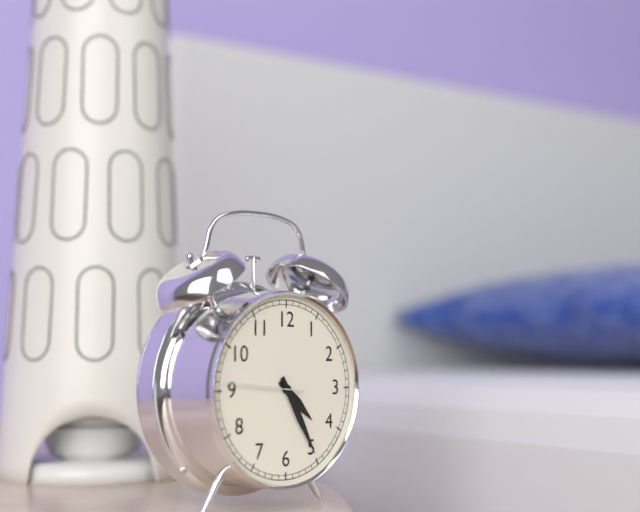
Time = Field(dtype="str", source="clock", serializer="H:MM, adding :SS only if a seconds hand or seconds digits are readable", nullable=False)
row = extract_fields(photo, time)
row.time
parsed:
4:25:46
